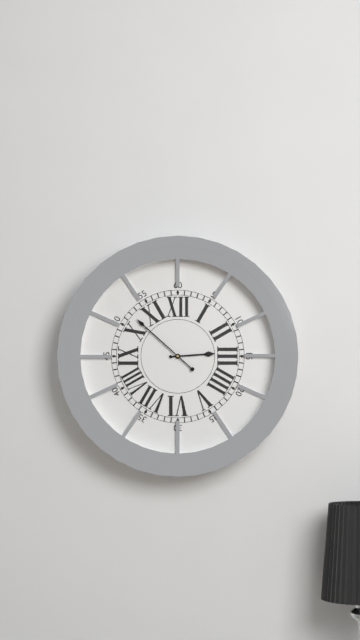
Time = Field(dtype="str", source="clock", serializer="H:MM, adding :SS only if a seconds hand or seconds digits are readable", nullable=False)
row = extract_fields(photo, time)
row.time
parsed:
2:52
